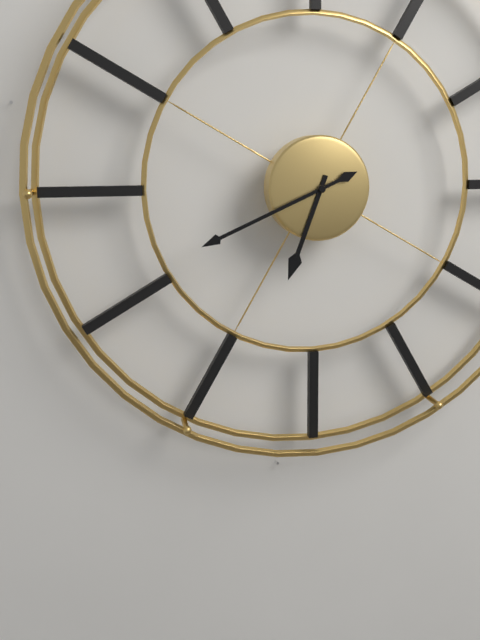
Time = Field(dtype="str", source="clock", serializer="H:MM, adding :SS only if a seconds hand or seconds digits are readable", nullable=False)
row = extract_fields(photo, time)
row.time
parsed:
6:41
